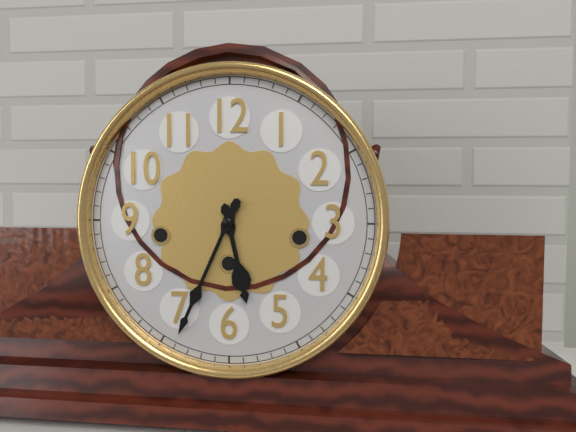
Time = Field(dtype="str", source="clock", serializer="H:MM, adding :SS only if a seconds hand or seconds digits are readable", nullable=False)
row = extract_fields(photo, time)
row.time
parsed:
5:34
